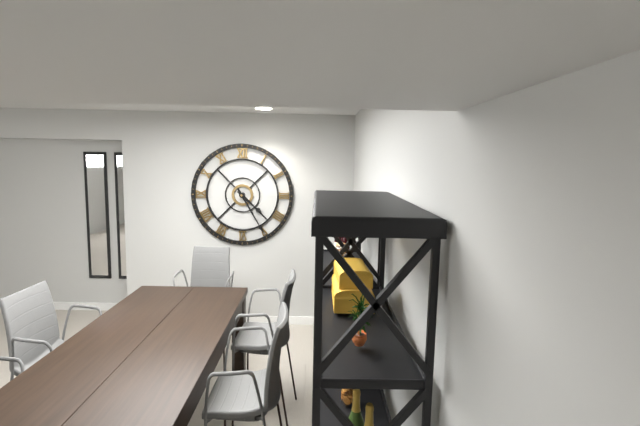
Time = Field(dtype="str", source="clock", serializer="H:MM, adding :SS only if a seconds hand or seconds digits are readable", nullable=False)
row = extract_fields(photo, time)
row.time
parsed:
4:25
